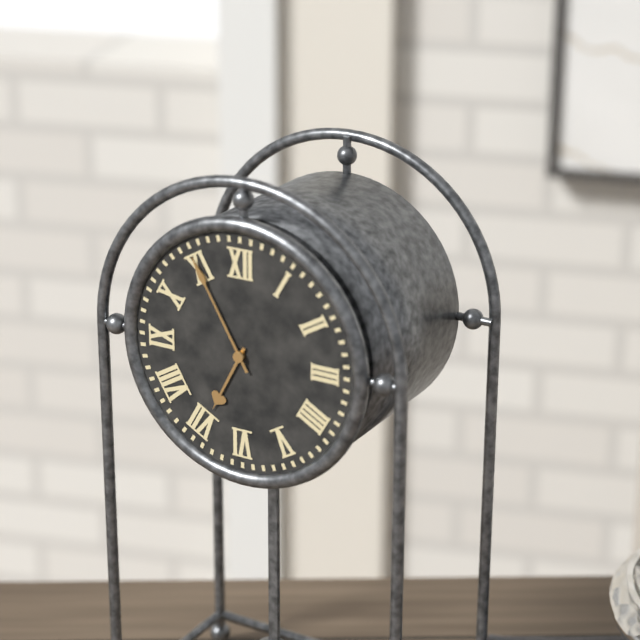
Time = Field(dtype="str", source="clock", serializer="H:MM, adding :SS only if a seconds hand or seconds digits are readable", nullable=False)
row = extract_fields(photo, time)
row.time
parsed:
6:55
